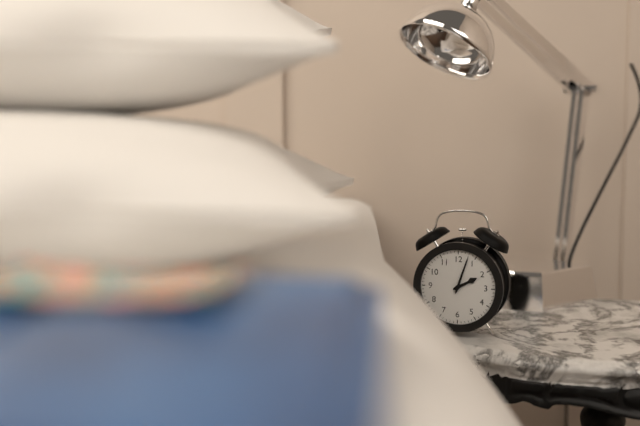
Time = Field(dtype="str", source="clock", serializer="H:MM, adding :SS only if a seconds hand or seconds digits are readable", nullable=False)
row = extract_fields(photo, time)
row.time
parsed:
2:03
